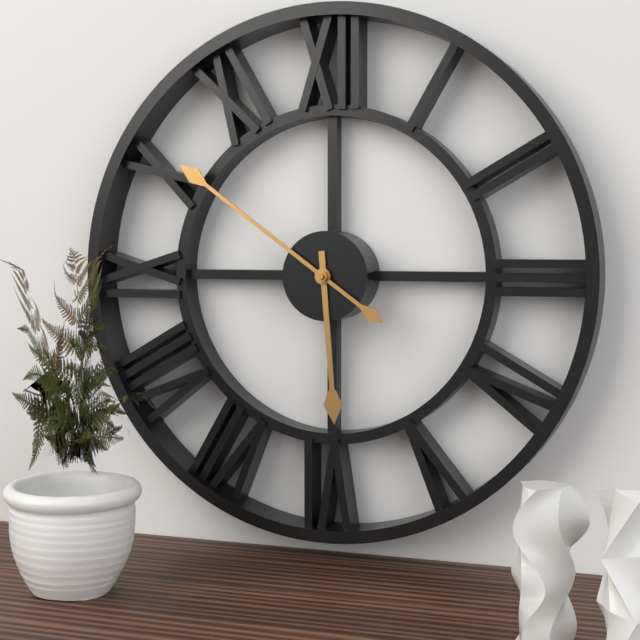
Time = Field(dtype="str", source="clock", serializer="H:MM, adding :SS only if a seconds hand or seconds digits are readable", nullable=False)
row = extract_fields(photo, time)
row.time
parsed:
5:51
